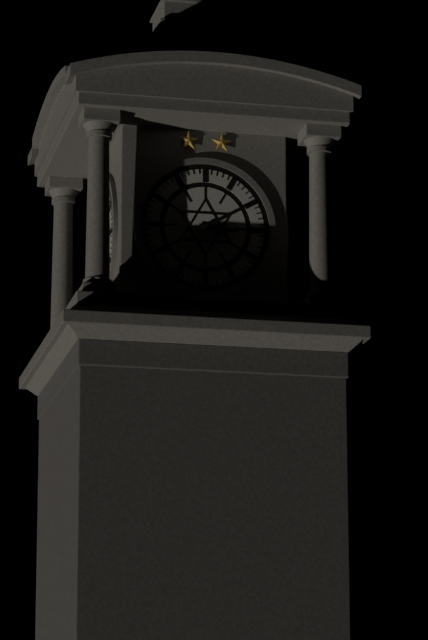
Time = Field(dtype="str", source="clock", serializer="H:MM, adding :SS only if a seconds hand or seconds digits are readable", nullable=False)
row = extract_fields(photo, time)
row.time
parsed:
3:10
